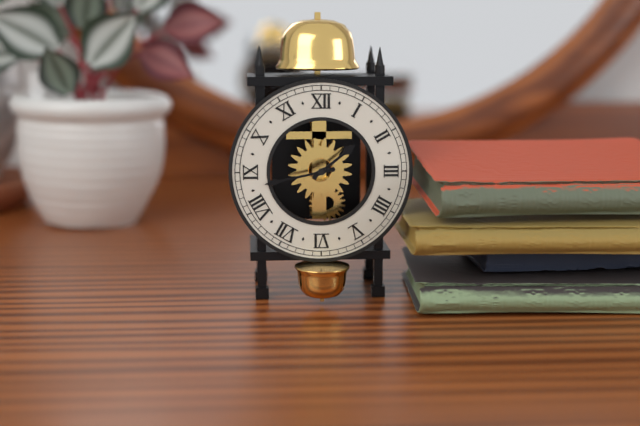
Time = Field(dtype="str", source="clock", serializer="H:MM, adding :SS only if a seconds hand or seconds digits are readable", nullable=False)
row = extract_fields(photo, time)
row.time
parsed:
1:43
